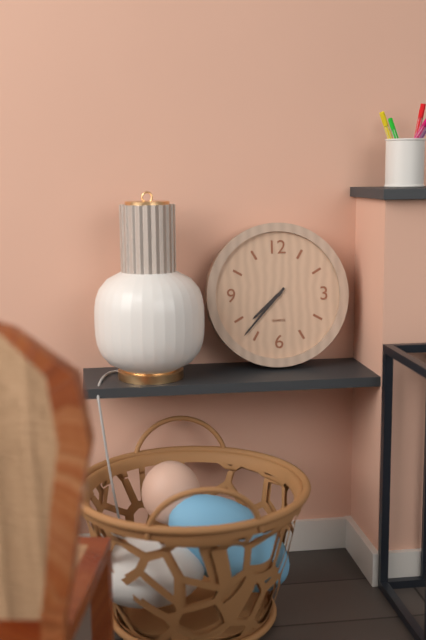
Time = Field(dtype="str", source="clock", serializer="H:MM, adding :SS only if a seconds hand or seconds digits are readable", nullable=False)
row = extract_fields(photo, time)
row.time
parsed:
7:37
